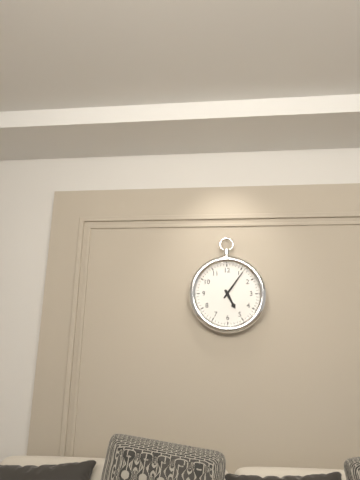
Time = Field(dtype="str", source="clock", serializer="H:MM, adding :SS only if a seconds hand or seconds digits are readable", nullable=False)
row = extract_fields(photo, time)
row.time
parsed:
5:06
